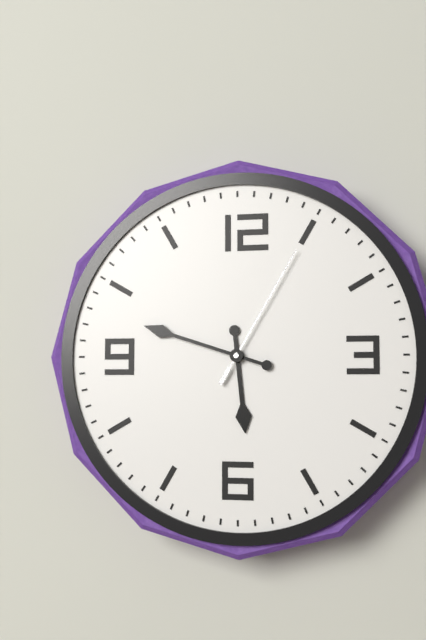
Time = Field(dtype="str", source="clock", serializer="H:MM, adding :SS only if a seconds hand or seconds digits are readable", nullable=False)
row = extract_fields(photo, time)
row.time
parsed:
5:48:05
